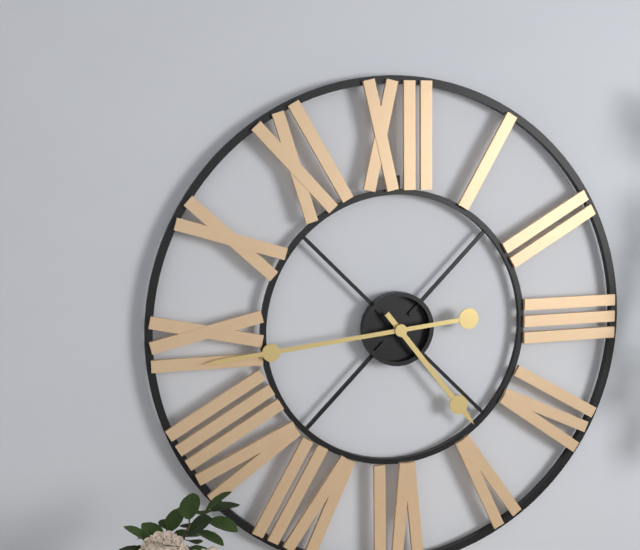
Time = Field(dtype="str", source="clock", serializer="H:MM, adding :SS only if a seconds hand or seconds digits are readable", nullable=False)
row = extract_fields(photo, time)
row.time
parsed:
4:44
